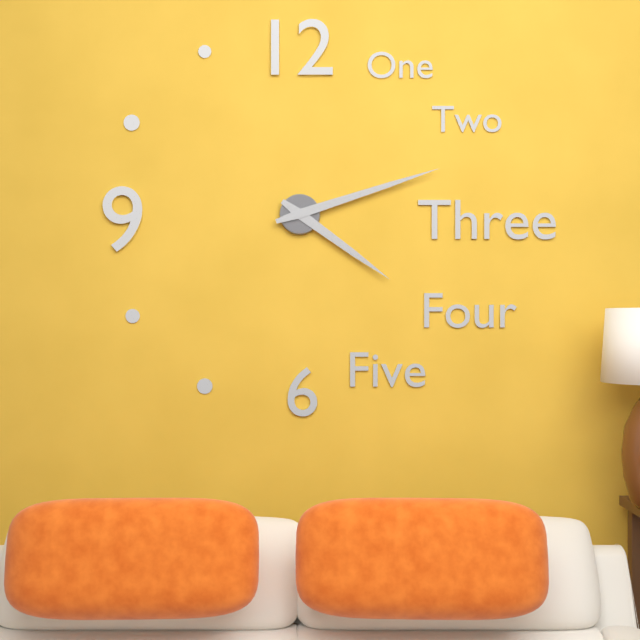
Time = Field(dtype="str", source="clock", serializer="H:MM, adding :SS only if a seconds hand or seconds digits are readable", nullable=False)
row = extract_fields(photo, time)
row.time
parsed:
4:12
